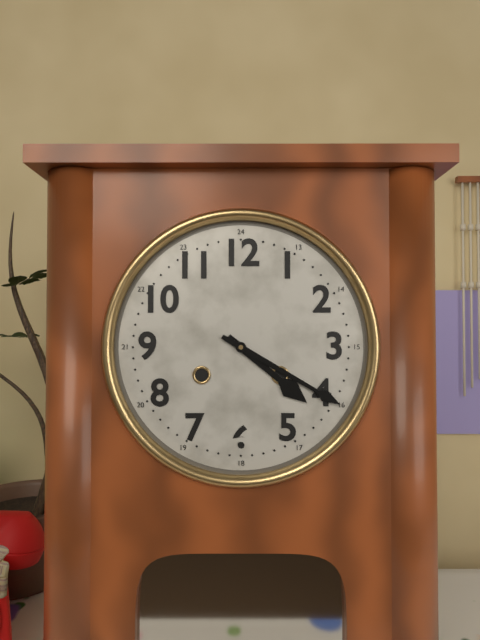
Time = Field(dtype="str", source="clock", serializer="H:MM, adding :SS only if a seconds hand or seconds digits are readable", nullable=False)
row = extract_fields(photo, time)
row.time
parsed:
4:20
